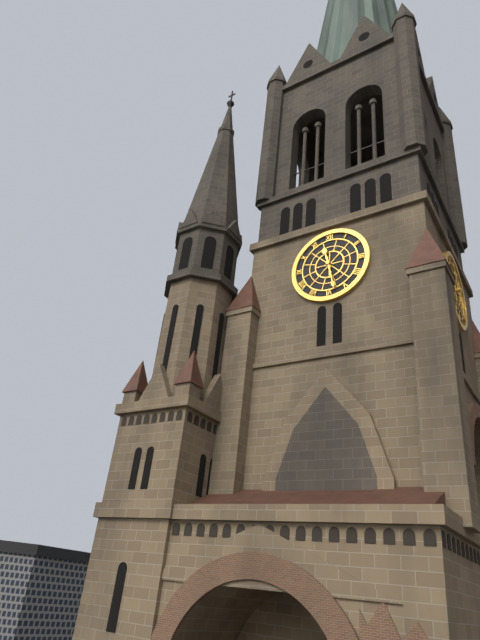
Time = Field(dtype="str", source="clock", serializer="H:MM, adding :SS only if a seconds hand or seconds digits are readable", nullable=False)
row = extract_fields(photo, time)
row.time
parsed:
11:28
